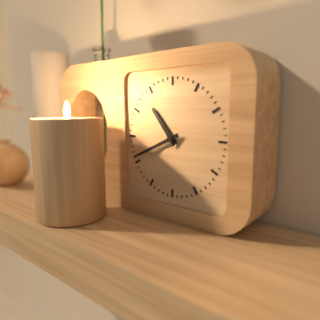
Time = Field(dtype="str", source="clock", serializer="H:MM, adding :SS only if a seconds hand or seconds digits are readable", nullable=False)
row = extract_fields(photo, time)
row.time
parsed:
10:41
